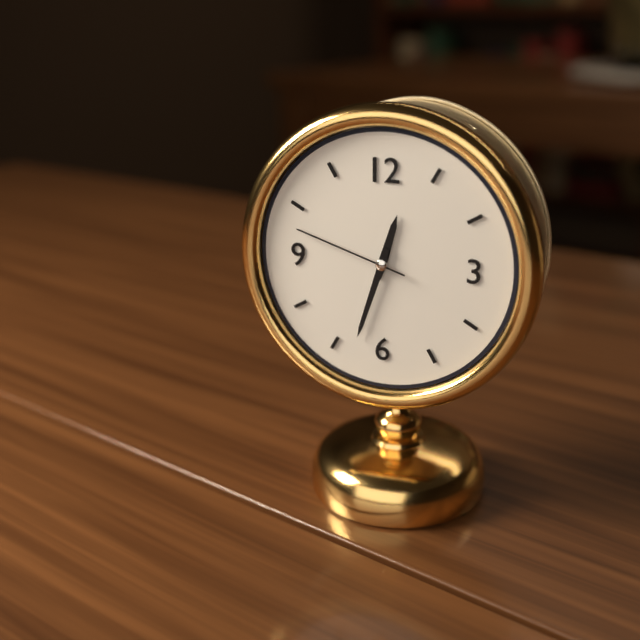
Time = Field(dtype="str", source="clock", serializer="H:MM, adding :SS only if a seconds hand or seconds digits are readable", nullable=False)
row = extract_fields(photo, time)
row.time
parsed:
12:33:48
